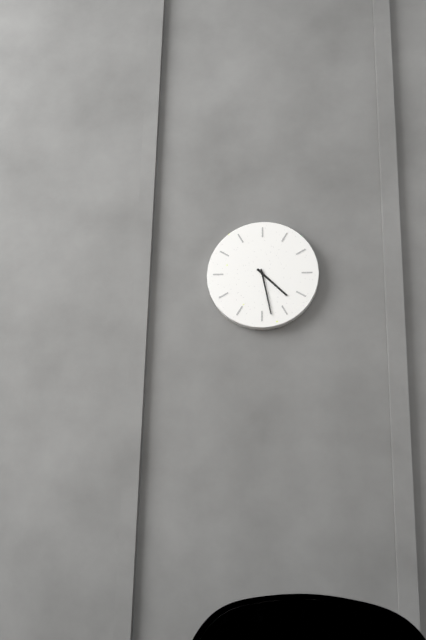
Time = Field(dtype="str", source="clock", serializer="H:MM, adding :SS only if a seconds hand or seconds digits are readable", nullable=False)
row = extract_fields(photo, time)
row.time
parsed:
4:28
